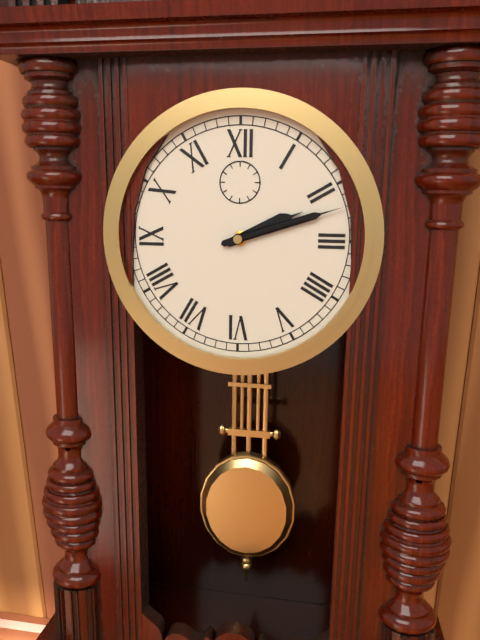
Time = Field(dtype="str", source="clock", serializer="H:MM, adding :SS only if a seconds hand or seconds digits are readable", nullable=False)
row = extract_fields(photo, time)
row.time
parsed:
2:12
